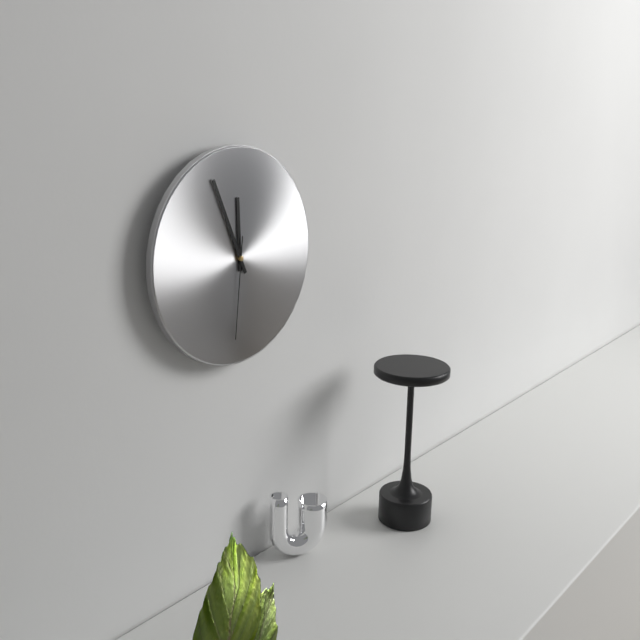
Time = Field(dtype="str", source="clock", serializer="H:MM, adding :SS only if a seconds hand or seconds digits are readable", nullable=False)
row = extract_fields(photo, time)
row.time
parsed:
11:56:31
